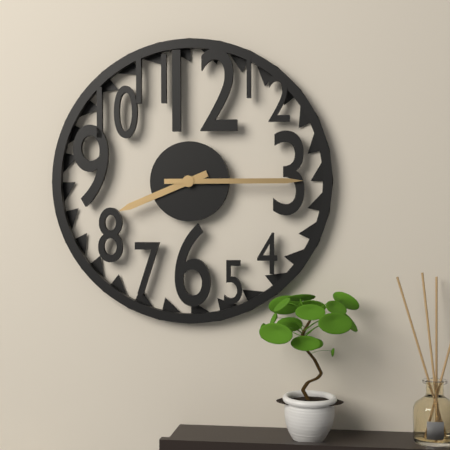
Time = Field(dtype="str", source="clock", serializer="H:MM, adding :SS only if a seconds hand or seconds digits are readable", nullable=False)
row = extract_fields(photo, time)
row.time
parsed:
8:15
